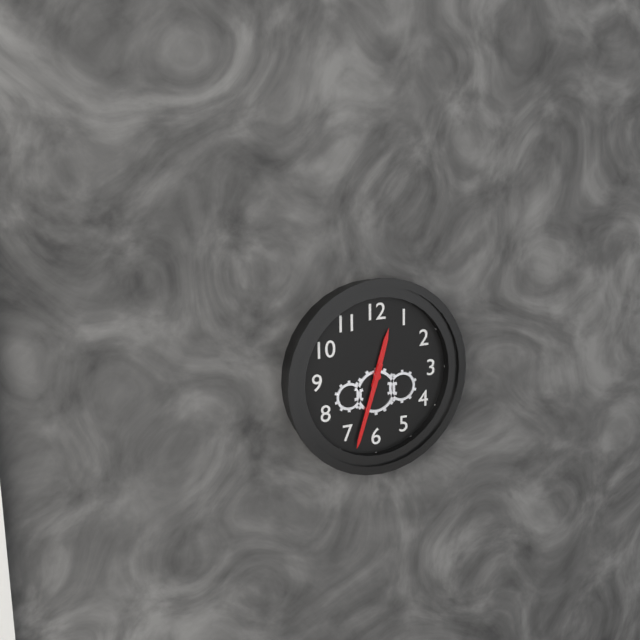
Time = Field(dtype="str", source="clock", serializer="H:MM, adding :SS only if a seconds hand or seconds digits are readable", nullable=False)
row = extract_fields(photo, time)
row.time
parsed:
12:33
